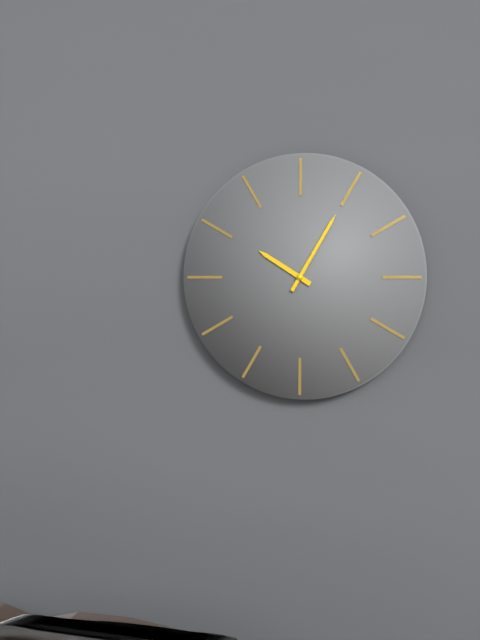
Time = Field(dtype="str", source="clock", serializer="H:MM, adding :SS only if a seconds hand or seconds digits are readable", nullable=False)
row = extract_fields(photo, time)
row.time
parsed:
10:05
